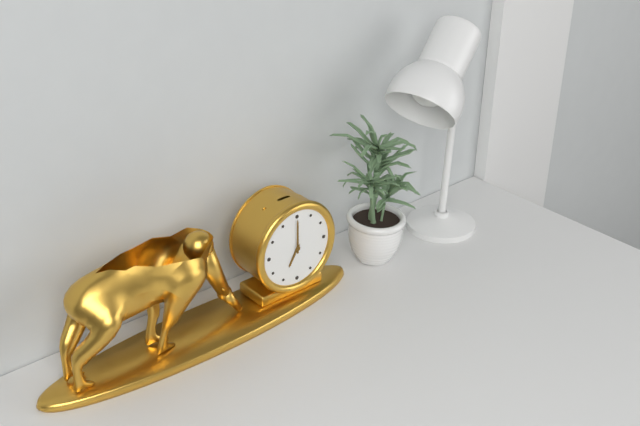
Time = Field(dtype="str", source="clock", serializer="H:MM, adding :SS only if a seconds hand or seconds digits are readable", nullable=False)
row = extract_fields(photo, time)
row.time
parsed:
7:00
